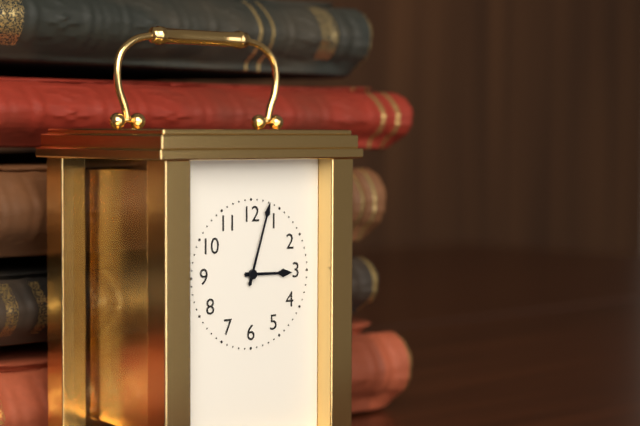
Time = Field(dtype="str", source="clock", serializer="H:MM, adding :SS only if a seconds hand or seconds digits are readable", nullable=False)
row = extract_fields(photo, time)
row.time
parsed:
3:03
